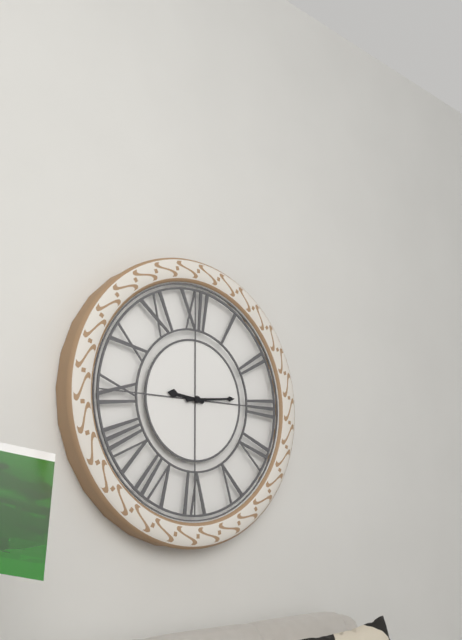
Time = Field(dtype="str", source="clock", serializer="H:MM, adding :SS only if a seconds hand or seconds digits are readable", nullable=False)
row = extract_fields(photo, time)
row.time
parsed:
9:14
